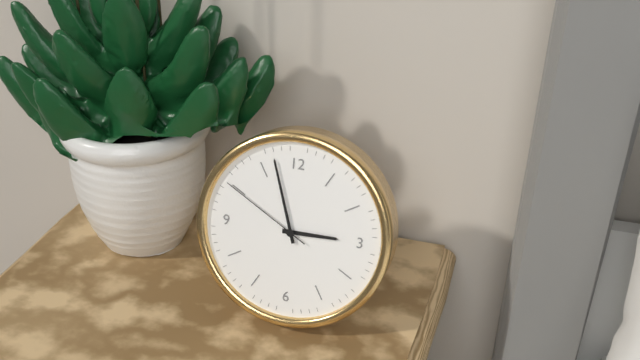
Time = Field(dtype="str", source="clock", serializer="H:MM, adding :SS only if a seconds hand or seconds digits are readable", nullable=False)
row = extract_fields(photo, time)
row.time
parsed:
2:57:50
